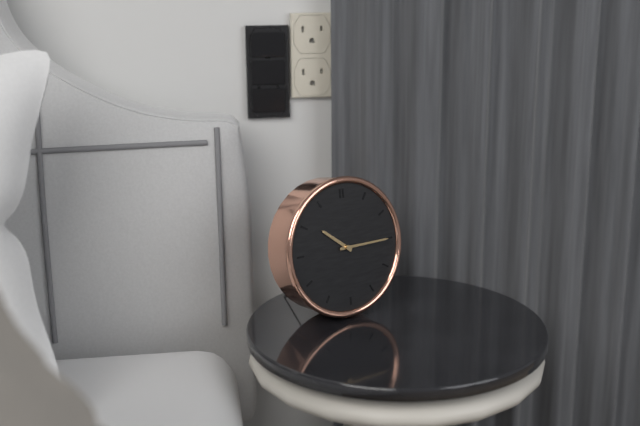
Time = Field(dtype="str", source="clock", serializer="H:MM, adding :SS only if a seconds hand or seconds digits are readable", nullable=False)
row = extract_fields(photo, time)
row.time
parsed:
10:15
